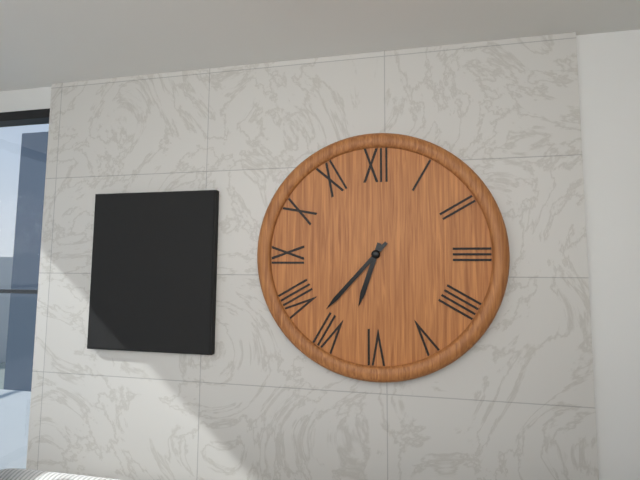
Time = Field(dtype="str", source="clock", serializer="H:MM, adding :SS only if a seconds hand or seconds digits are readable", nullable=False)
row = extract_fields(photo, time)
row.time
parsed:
6:37
